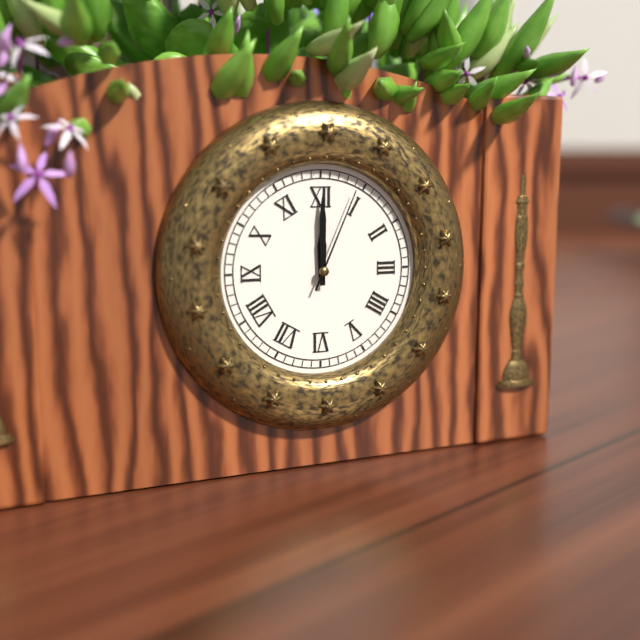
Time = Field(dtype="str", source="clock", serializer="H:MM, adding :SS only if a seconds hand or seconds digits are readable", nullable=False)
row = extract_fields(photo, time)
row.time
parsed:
12:00:04
